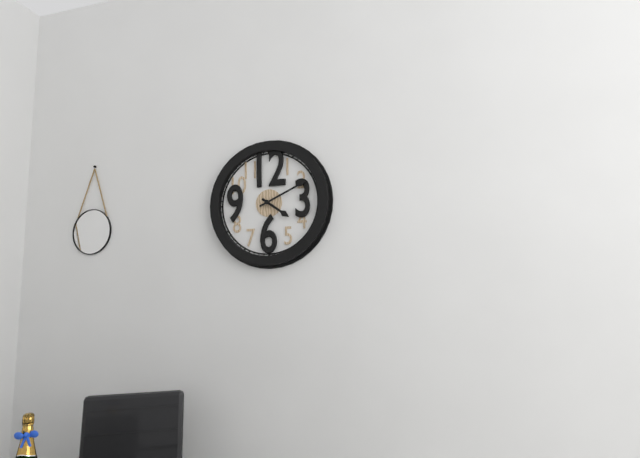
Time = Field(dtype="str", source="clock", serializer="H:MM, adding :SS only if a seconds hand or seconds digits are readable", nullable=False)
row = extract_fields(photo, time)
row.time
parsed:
4:11
